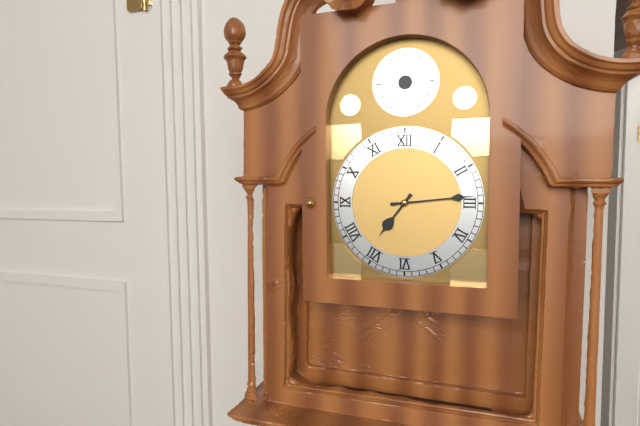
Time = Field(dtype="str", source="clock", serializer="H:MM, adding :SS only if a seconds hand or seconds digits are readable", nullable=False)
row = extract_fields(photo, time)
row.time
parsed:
7:14
